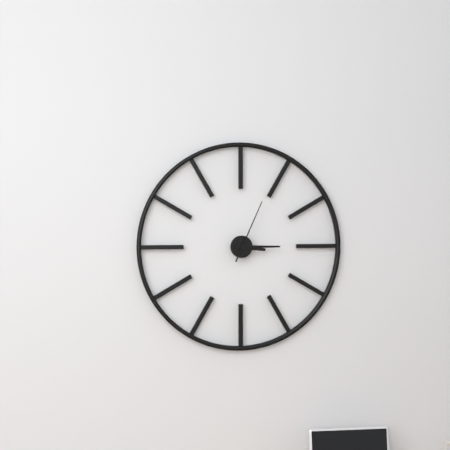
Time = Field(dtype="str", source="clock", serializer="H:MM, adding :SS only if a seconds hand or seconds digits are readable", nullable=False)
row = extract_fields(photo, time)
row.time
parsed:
3:15:04
